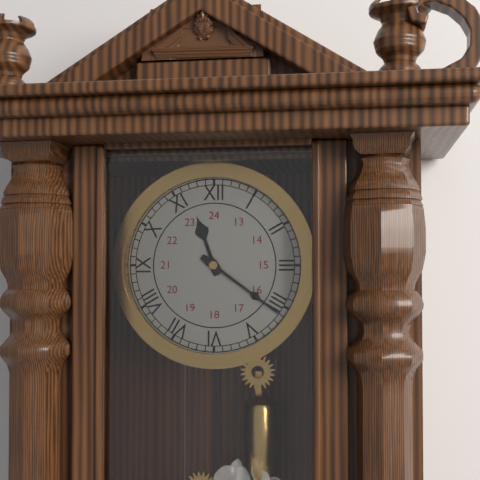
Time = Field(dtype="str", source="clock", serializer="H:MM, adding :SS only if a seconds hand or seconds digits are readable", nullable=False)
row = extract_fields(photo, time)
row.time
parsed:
11:21
